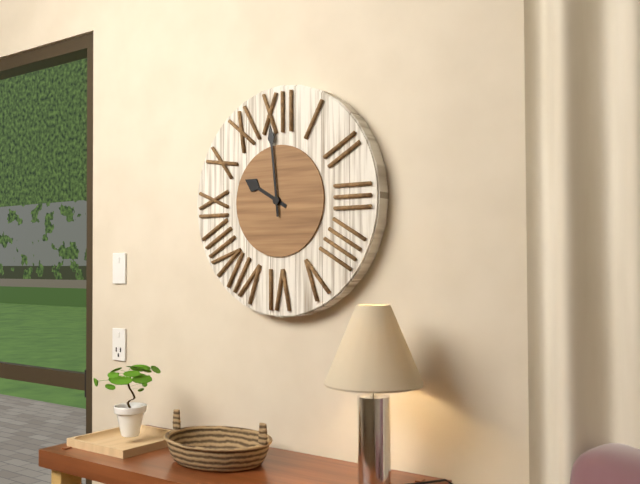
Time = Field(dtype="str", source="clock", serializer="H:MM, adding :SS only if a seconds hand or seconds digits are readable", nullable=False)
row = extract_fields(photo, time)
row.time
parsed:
9:59
